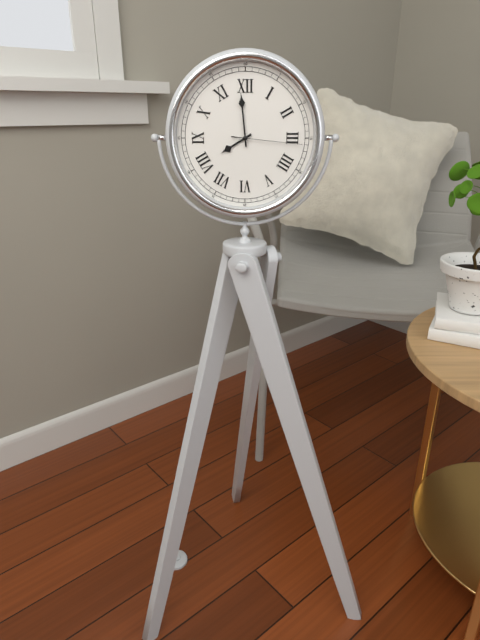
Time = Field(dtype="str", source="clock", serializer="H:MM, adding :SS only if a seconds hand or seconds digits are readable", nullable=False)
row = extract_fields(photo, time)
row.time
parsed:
7:59:16
